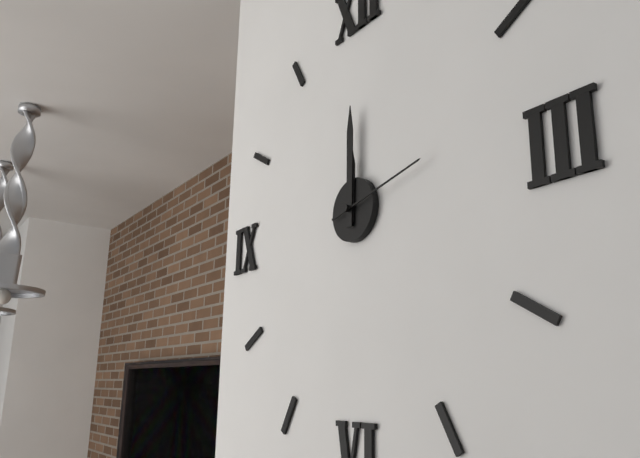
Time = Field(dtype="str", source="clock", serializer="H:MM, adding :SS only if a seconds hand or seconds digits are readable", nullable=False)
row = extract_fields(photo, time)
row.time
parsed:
12:00:13
